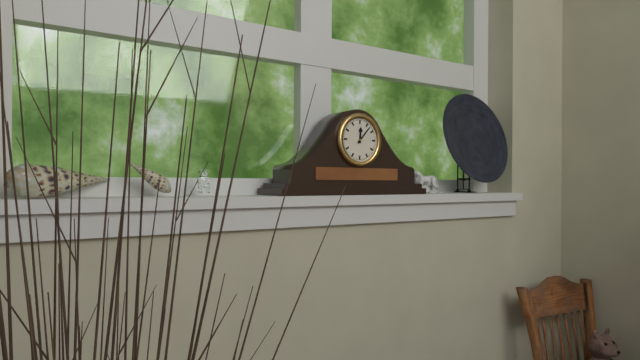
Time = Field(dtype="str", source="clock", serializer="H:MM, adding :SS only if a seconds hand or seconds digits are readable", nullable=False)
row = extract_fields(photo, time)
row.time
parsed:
12:07
